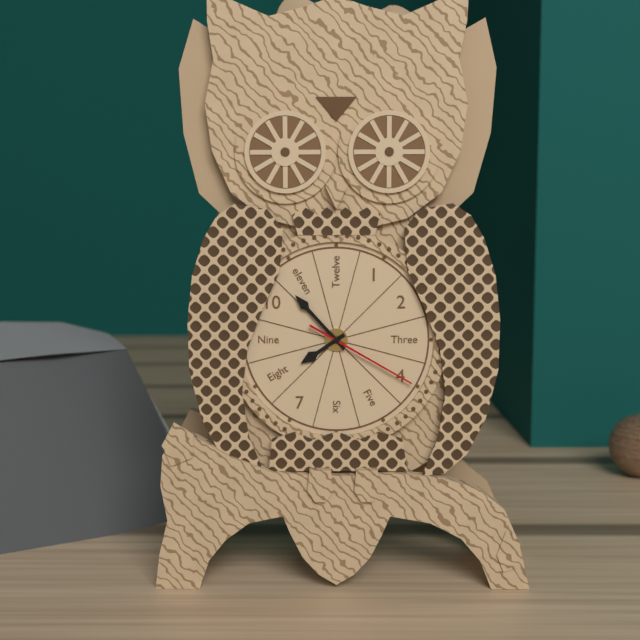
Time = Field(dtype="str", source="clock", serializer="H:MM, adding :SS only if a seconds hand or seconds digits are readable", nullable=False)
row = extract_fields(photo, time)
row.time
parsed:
7:53:20
